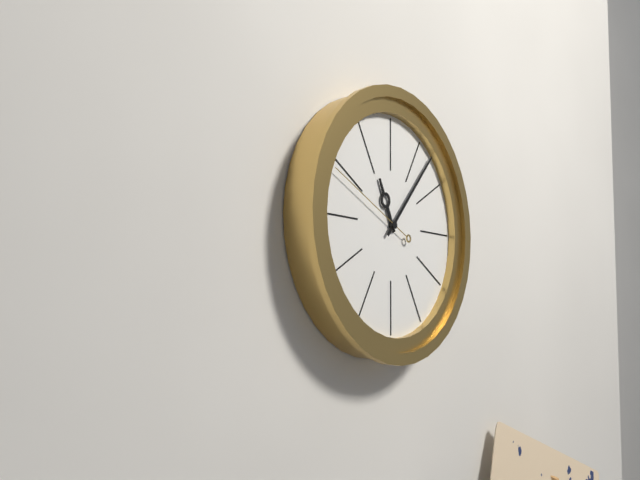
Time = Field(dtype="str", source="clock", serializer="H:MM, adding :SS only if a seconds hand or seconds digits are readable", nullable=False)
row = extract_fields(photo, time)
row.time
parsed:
11:07:49
